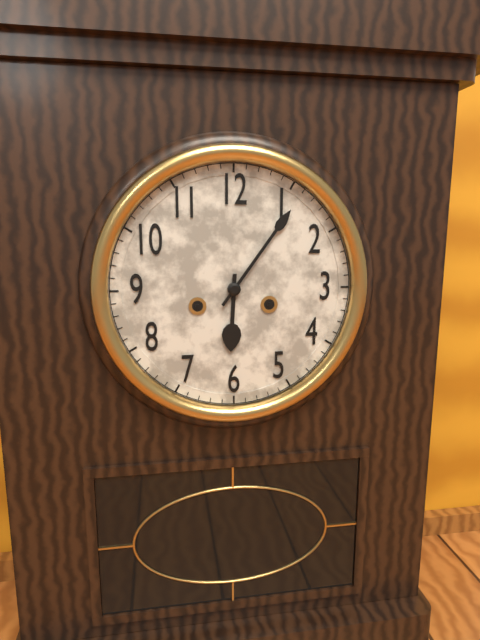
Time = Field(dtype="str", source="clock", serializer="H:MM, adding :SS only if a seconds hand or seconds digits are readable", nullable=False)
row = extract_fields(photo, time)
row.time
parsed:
6:06
